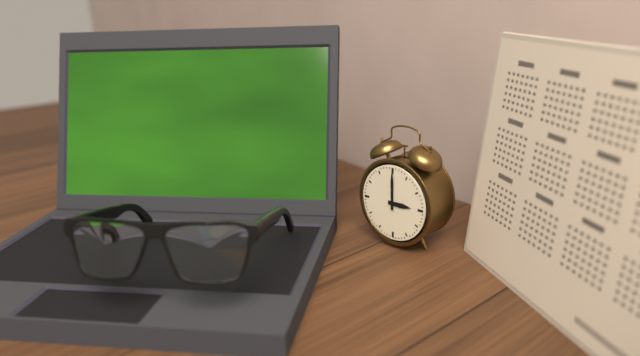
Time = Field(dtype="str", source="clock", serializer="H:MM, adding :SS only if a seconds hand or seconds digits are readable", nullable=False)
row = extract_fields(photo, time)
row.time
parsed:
3:00
